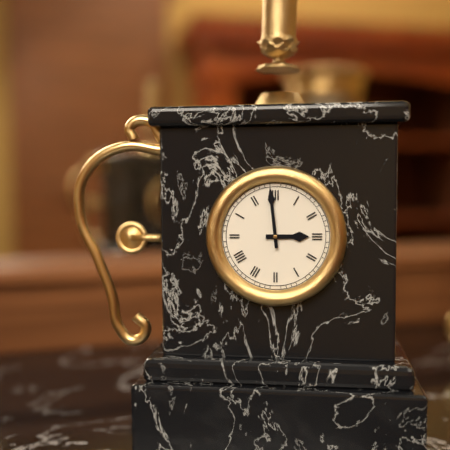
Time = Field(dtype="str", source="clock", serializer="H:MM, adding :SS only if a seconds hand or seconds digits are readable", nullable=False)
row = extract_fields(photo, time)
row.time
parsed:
2:59
